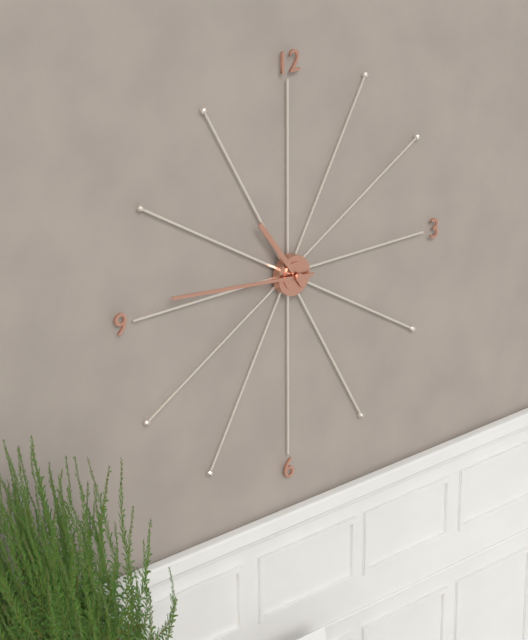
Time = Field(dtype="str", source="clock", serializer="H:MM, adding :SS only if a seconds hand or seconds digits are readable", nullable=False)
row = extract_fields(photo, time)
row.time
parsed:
10:46
